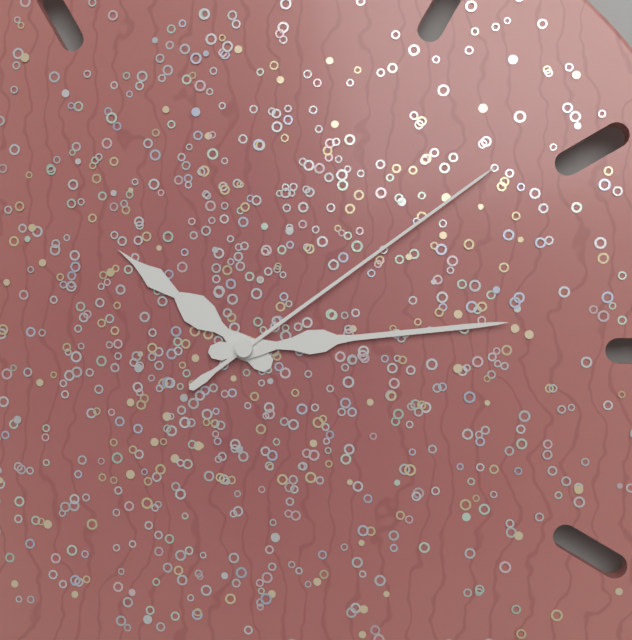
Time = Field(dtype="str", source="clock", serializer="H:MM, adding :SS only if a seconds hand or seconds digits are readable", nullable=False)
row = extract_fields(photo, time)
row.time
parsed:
10:14:09
